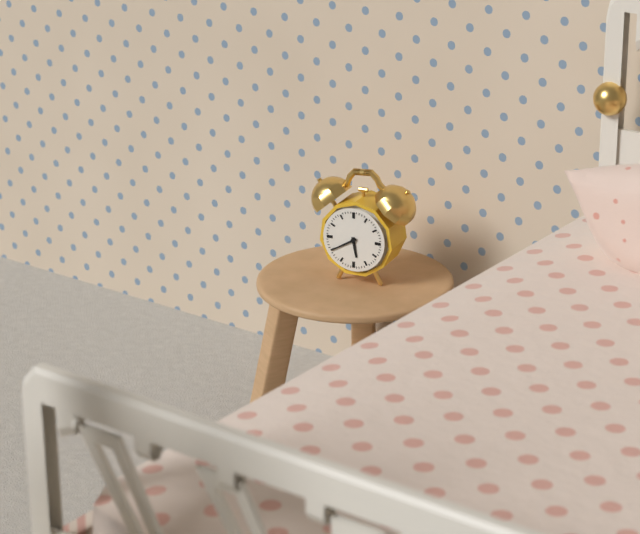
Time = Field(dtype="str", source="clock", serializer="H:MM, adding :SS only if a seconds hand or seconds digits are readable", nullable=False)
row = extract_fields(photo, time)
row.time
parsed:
5:40
